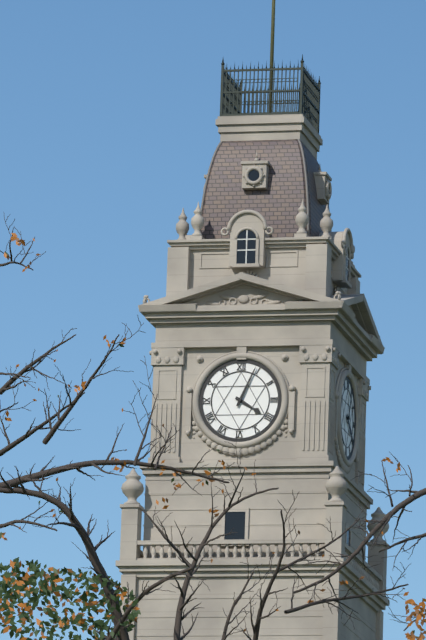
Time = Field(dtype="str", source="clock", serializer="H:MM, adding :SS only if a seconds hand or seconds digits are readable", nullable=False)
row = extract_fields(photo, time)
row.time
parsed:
4:04
